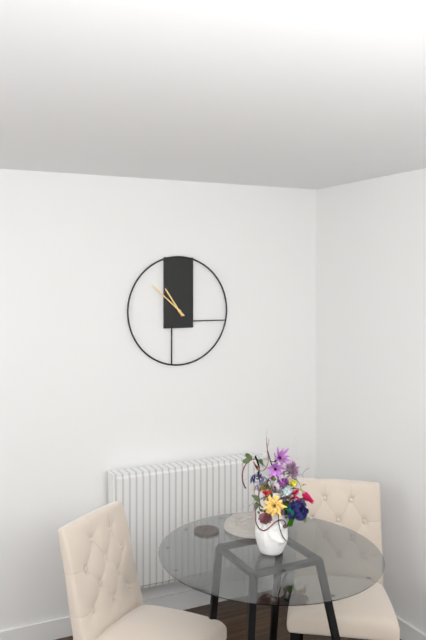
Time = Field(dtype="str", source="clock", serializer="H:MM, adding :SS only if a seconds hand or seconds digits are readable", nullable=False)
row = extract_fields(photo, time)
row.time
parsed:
10:52
